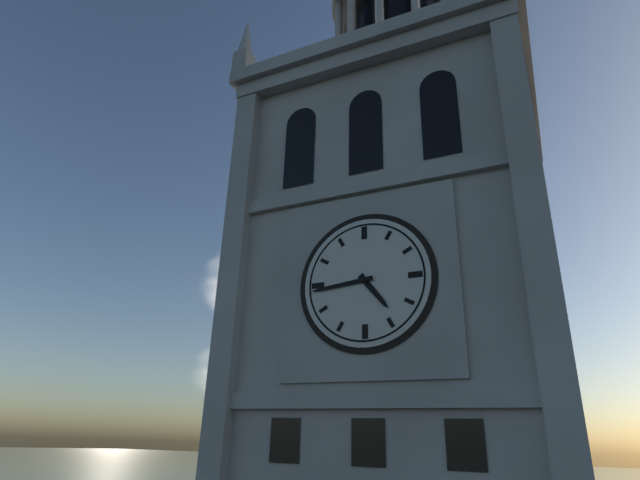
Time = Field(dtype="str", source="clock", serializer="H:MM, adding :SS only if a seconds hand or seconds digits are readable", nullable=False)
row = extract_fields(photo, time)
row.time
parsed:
4:44
